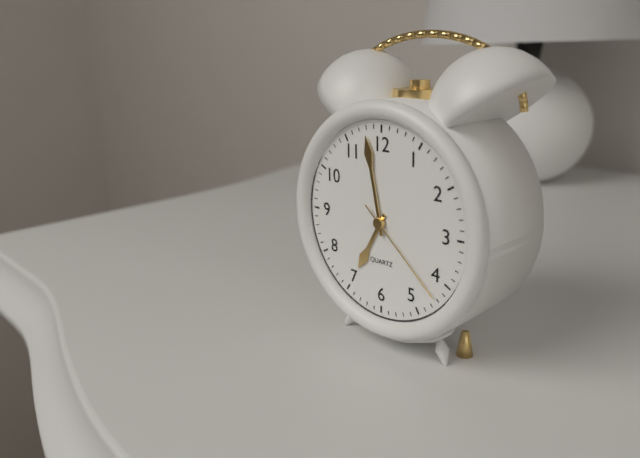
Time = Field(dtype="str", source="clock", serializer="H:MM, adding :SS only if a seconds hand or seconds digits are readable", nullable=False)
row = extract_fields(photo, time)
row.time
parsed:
6:58:22
